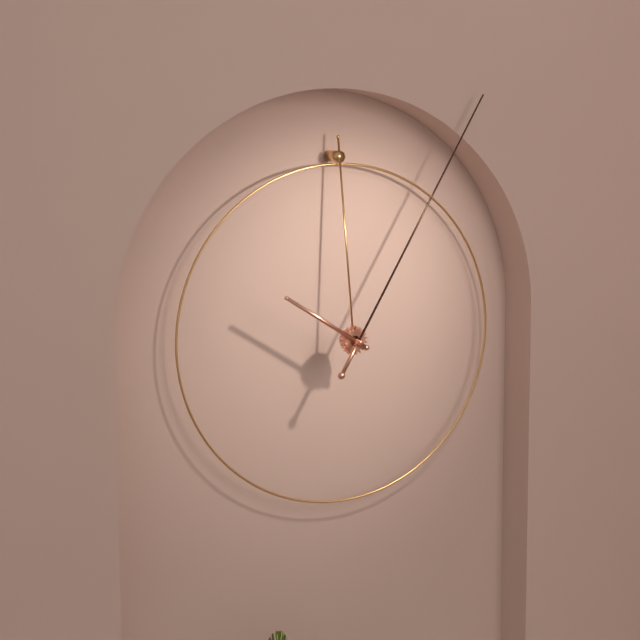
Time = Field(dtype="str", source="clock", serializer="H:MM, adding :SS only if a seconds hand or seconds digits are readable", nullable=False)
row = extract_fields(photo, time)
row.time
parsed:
10:05
